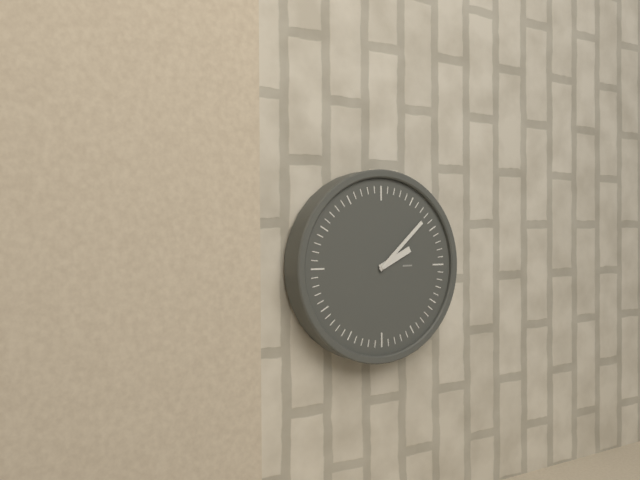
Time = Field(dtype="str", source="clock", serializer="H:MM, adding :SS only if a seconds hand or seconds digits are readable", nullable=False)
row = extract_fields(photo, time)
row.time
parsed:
2:08
